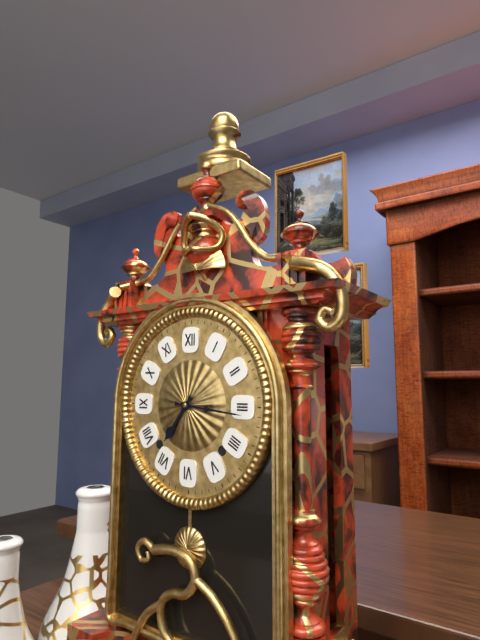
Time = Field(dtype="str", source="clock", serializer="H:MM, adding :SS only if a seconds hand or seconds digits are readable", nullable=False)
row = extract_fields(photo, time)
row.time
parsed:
7:16
